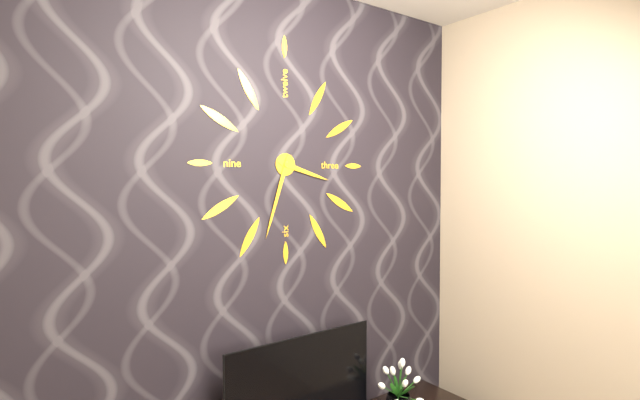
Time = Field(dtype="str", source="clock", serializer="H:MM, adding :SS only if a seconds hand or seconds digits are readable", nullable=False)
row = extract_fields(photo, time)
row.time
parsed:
3:33
